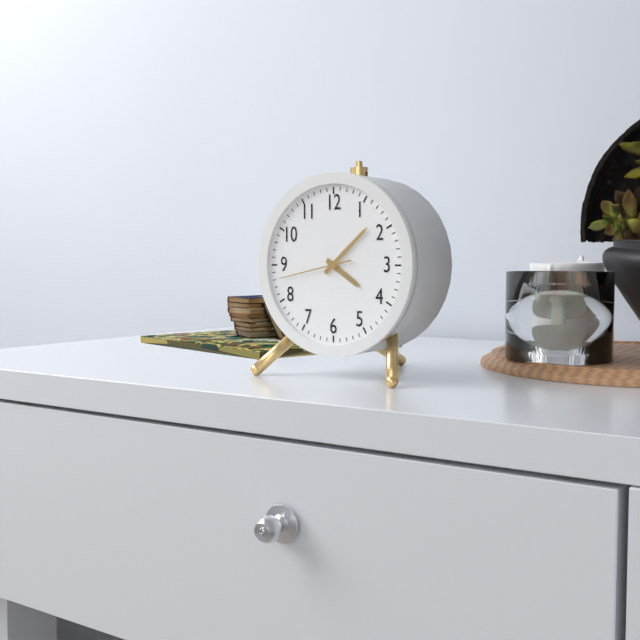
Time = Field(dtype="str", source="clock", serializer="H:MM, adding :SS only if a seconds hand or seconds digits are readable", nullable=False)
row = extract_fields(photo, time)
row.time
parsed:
4:08:43
